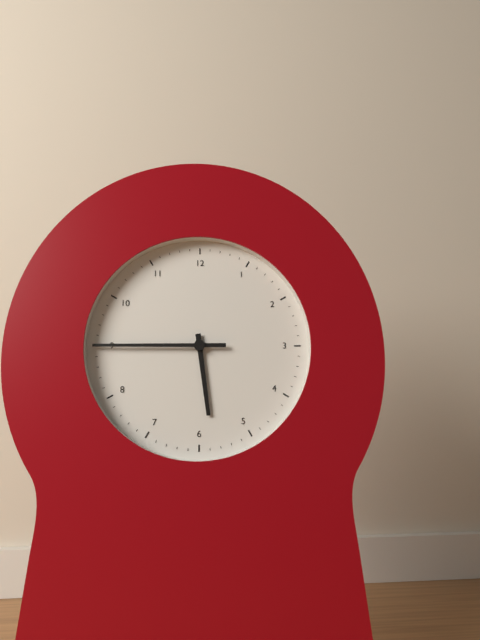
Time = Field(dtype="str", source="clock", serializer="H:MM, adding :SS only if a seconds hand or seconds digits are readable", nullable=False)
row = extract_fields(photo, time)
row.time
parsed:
5:45
